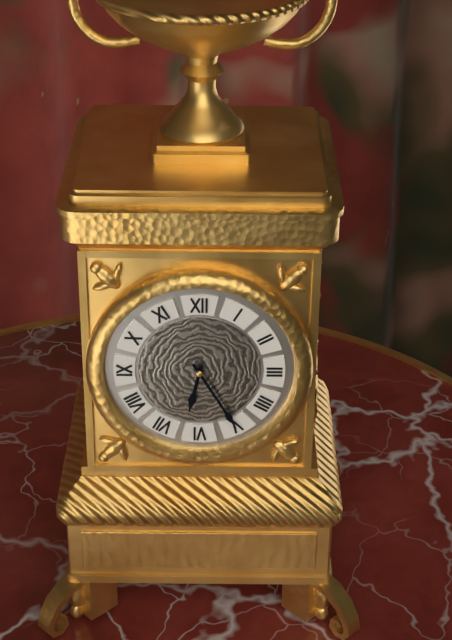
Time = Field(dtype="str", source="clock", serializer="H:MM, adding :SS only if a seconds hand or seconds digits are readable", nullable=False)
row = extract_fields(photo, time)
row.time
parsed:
6:25
